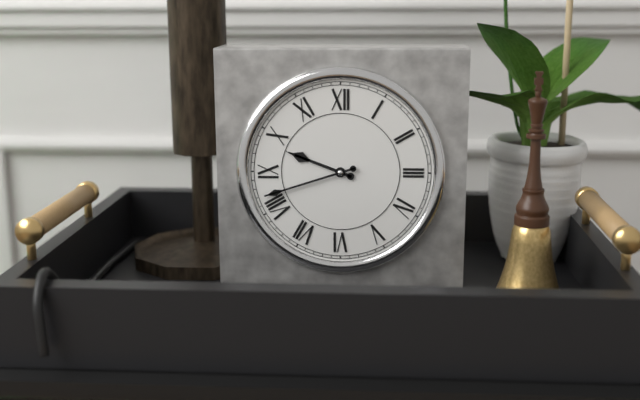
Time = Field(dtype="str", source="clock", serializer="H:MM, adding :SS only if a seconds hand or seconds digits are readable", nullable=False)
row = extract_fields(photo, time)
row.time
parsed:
9:42
